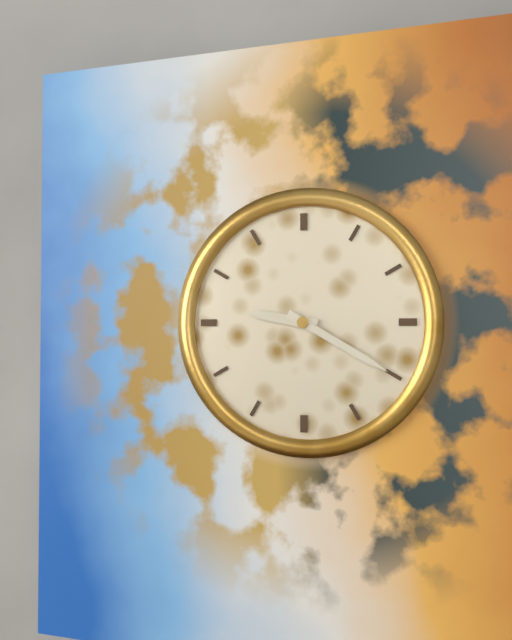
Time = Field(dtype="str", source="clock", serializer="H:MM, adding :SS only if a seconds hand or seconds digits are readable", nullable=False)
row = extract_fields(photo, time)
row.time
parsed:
9:20
